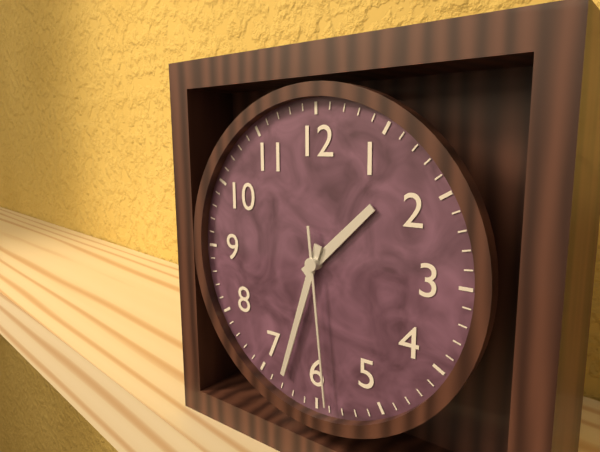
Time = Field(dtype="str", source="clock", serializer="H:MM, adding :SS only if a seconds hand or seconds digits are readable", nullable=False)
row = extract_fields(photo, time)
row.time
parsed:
1:33:29
